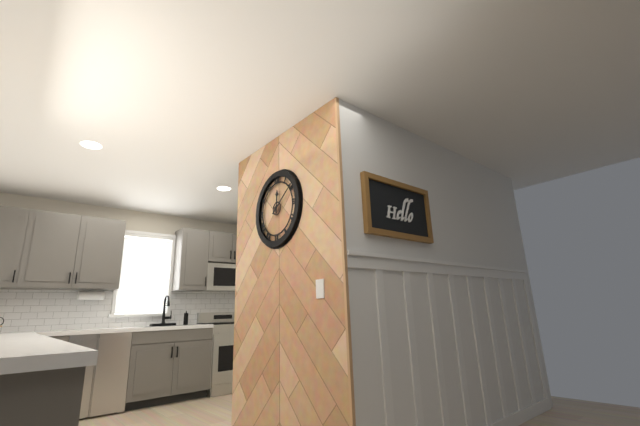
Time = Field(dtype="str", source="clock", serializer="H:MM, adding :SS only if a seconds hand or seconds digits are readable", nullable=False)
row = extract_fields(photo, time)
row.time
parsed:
12:09
